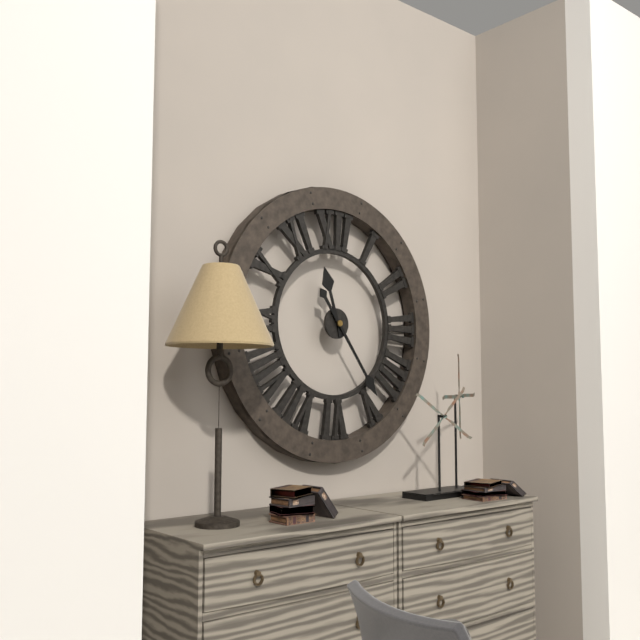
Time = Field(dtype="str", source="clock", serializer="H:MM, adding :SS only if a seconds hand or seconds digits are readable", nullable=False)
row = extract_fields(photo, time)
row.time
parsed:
11:24
